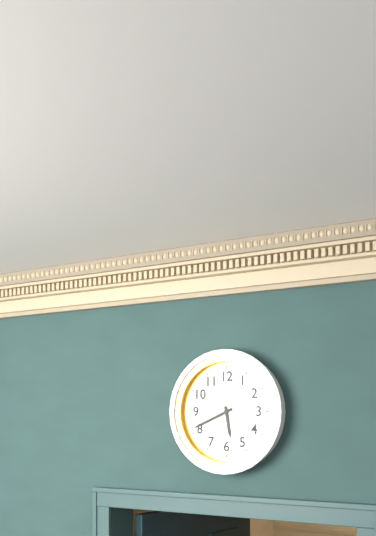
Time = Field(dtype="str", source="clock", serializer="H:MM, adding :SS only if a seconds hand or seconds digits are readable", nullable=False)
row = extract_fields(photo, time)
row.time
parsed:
5:41
